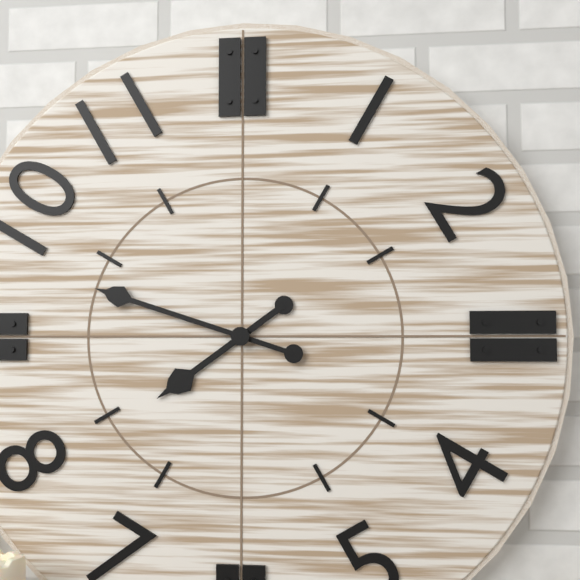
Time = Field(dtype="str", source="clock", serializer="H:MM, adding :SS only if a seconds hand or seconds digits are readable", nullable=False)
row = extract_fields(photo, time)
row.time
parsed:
7:48
